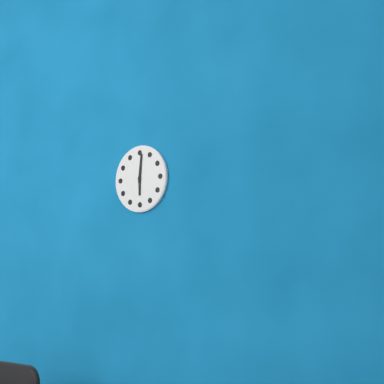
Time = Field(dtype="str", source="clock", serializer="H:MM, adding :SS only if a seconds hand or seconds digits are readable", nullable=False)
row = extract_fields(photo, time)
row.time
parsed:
6:01
